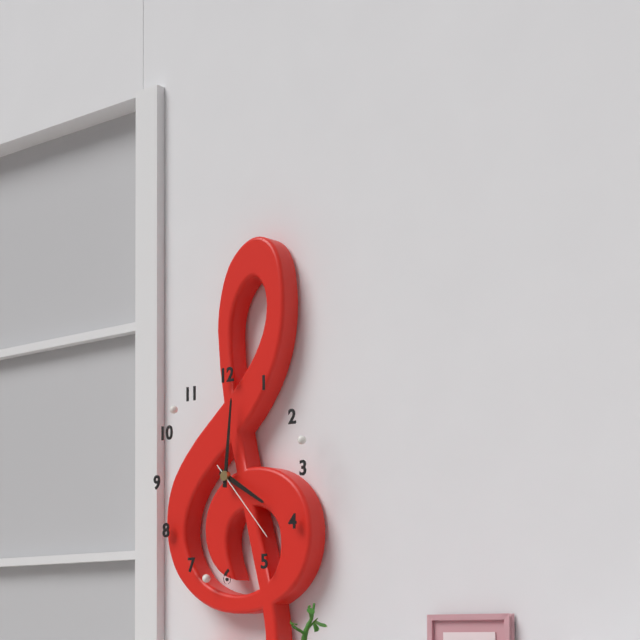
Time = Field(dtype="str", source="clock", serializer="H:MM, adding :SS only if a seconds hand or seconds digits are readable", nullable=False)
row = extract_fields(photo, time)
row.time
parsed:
4:01:23
